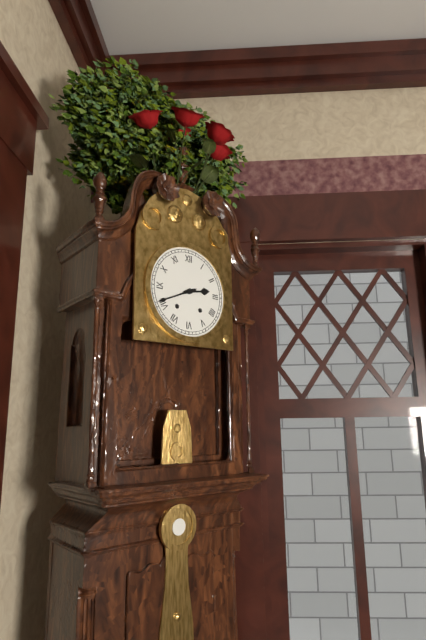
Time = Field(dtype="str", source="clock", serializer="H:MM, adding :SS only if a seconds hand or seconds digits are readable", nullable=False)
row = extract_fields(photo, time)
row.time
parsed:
2:41
